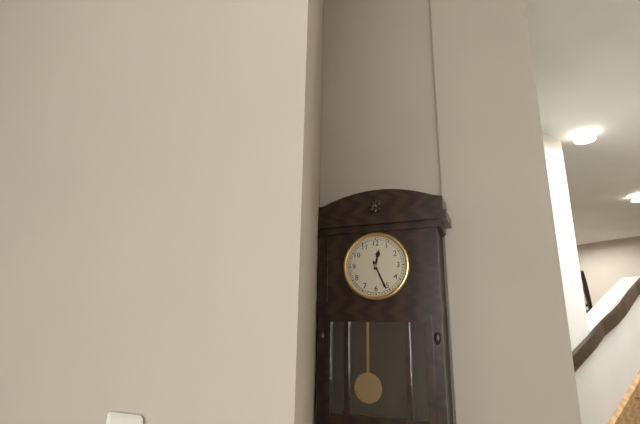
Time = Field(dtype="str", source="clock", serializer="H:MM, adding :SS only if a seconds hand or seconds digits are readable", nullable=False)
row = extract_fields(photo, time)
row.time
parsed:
12:26
